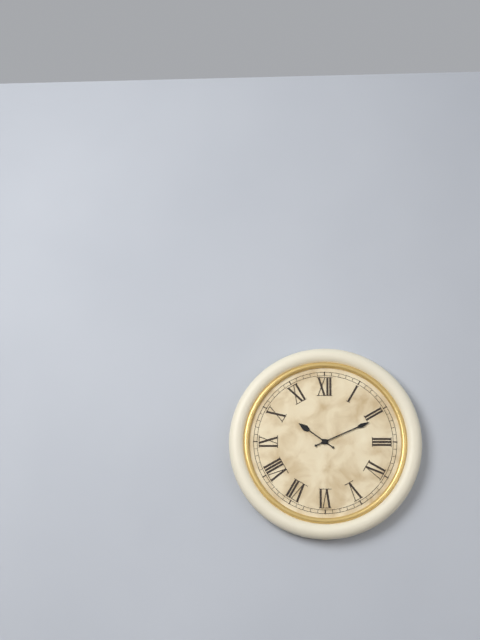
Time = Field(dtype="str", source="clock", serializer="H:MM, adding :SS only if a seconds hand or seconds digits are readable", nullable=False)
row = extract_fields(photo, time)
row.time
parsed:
10:11
